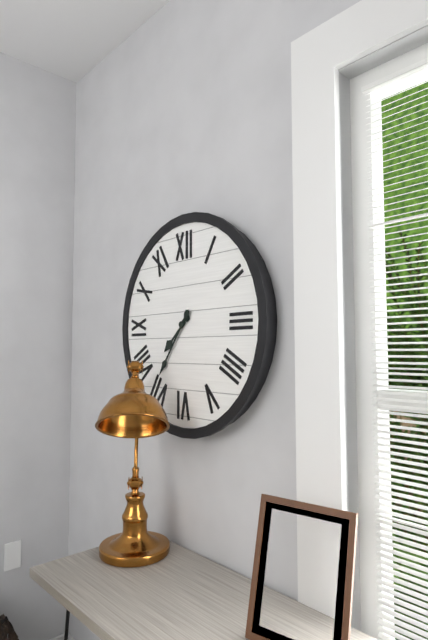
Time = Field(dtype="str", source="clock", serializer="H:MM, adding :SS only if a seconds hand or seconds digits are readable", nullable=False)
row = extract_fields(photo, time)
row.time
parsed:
7:36
